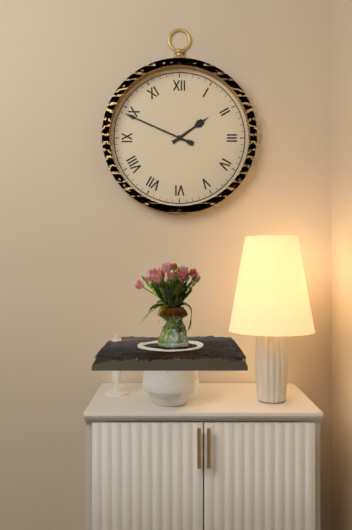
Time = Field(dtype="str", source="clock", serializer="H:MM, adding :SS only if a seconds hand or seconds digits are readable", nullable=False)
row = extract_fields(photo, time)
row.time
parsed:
1:49
